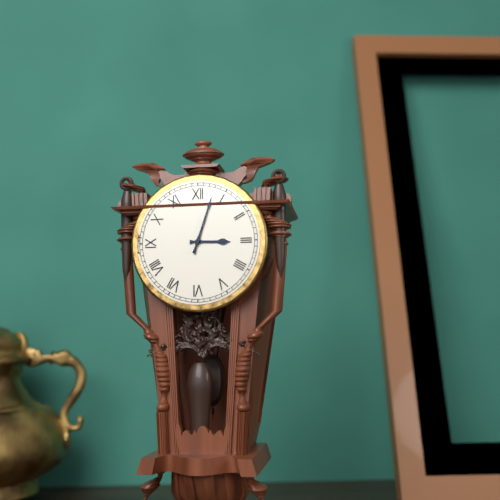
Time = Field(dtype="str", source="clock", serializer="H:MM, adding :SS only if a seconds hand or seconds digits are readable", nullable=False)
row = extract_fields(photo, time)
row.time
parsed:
3:03
